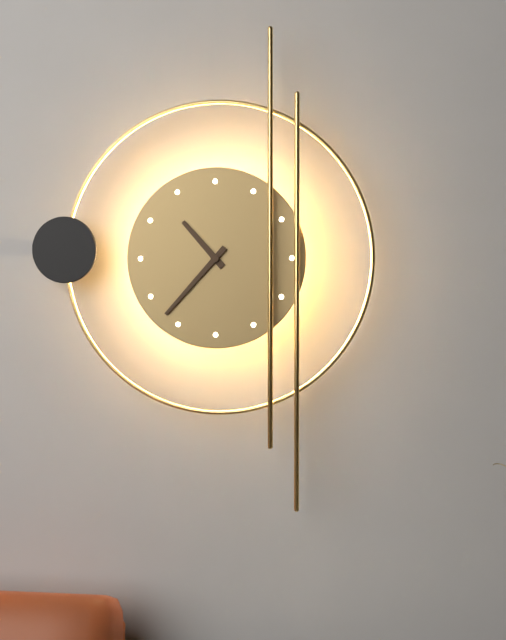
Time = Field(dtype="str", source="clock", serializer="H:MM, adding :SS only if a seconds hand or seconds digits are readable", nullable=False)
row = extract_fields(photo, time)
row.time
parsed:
10:37
